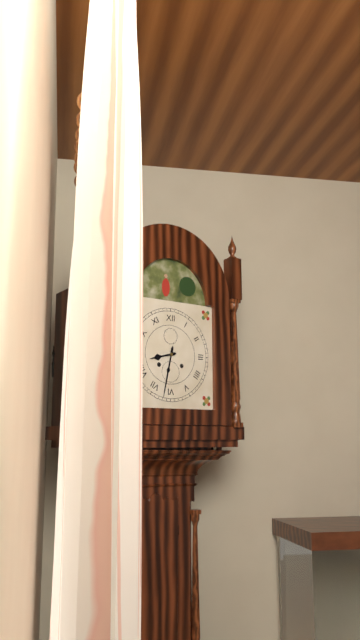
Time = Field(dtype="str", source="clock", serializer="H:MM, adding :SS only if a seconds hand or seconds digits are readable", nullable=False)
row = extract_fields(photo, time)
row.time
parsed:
8:32
